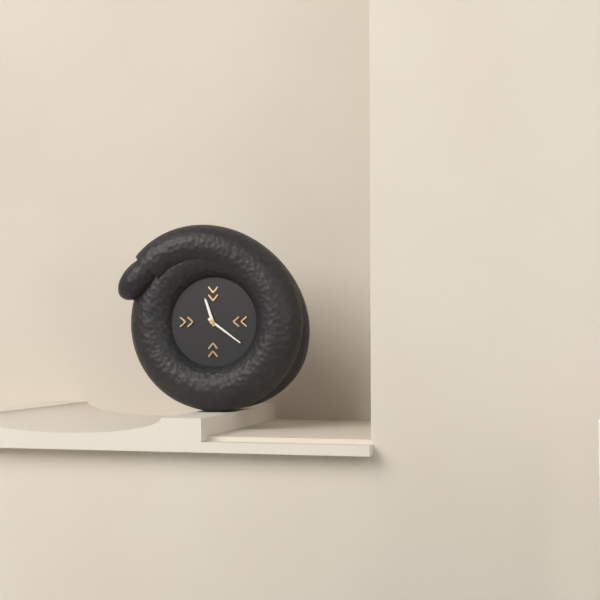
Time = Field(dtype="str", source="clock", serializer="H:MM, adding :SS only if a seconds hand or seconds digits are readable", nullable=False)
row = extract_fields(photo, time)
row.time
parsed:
11:21
